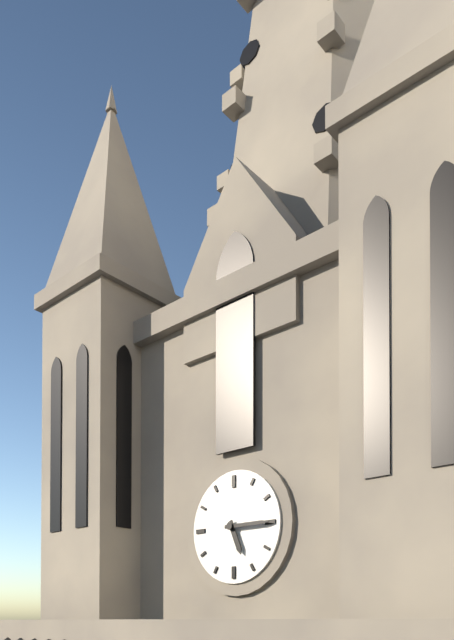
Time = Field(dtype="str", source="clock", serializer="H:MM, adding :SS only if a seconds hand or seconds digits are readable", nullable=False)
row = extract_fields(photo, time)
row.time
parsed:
5:15
